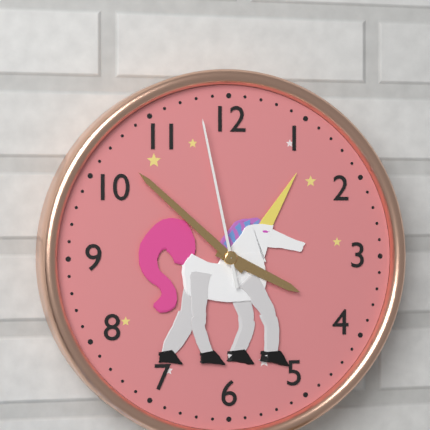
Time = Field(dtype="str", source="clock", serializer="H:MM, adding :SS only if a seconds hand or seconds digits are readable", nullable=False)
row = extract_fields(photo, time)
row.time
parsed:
3:52:58
